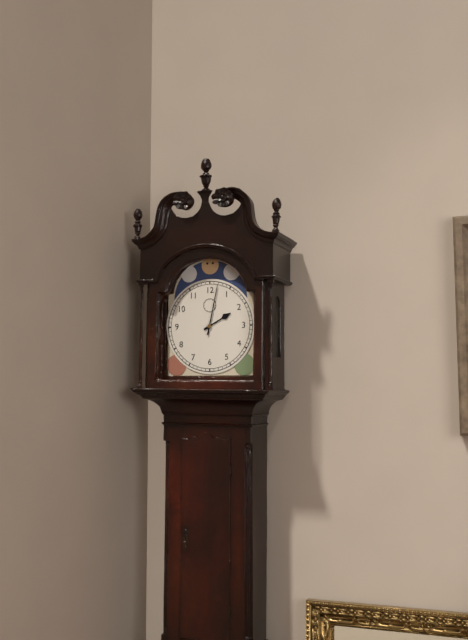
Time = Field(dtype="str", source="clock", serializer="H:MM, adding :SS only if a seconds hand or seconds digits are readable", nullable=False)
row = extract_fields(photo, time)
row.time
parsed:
2:02
